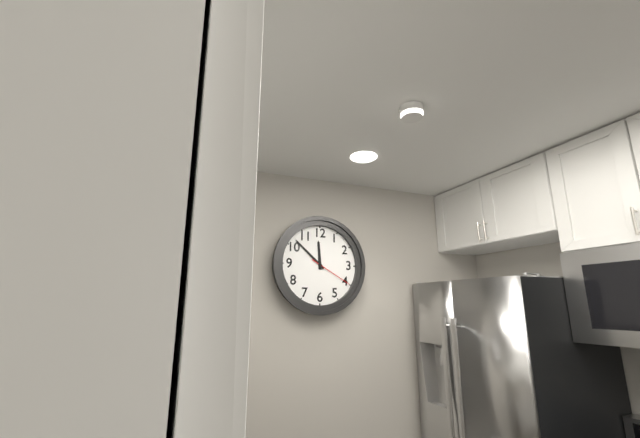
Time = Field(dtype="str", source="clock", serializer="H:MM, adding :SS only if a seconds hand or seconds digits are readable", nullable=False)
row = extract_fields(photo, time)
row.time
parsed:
11:52
